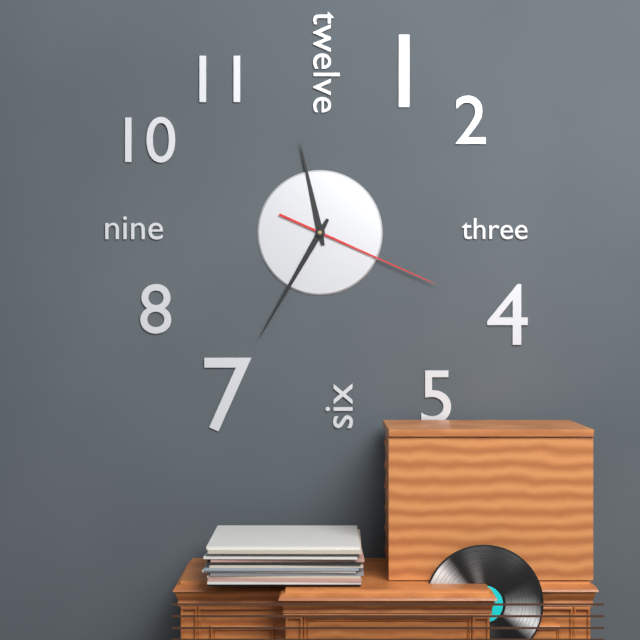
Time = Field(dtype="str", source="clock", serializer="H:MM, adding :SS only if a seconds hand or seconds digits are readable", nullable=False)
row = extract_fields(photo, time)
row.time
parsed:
11:35:19
